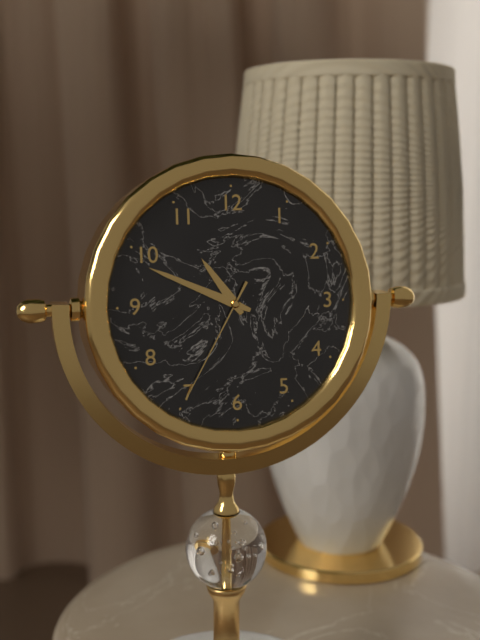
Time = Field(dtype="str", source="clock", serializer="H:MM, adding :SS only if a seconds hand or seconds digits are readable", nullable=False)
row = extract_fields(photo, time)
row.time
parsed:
10:49:35
